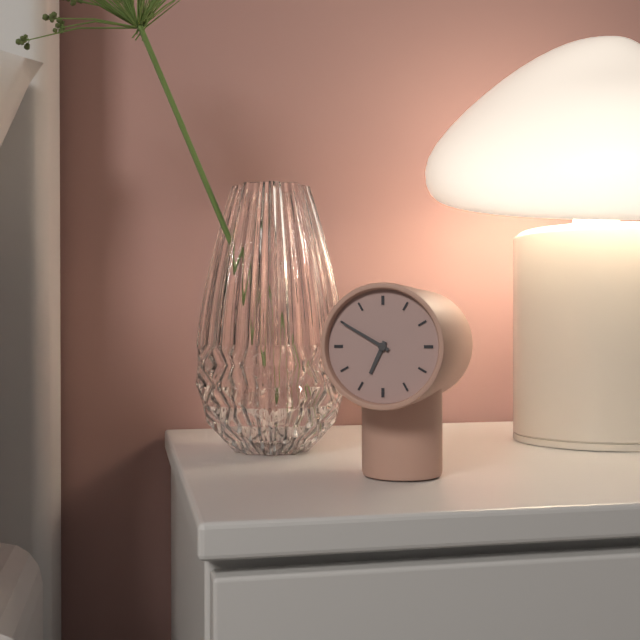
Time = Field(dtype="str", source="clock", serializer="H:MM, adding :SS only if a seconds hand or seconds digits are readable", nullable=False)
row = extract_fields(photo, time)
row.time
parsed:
6:50
